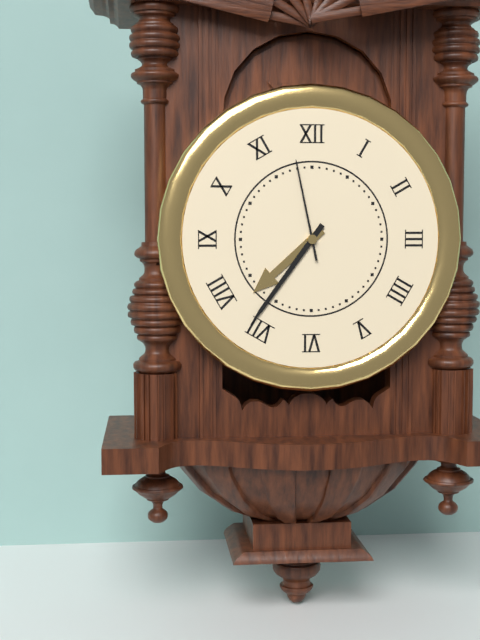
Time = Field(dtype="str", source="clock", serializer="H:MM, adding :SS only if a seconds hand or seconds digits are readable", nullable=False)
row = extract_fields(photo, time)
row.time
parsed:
7:36:58
